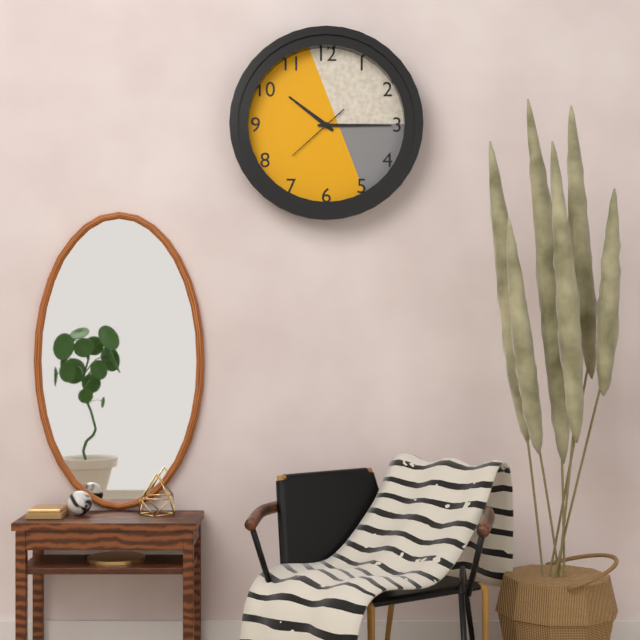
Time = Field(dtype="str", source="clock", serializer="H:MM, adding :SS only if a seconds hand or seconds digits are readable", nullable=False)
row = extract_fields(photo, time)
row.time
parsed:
10:15:38
